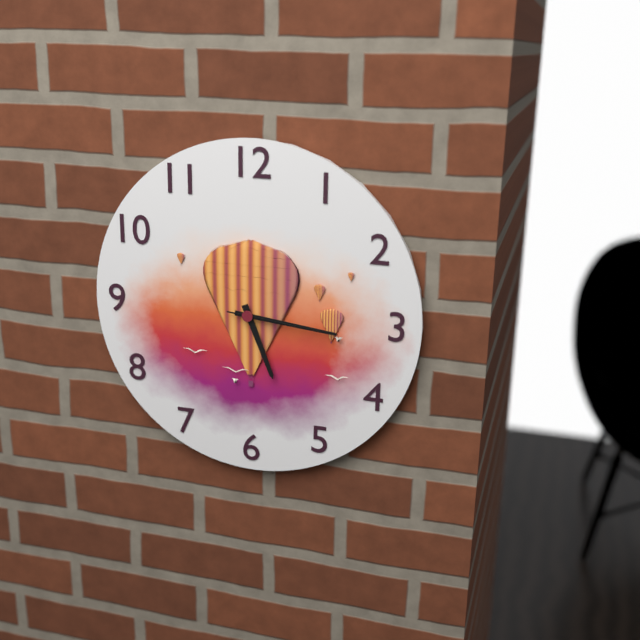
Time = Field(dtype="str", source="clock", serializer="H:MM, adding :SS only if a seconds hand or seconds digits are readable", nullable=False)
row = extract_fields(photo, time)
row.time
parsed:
5:16:16
